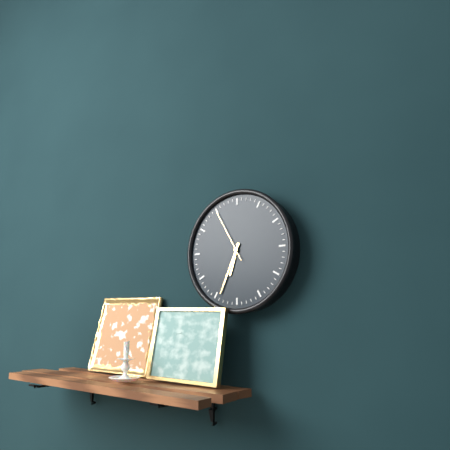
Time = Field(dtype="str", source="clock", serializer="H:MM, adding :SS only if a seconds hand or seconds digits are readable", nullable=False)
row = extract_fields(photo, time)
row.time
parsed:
6:34:55
